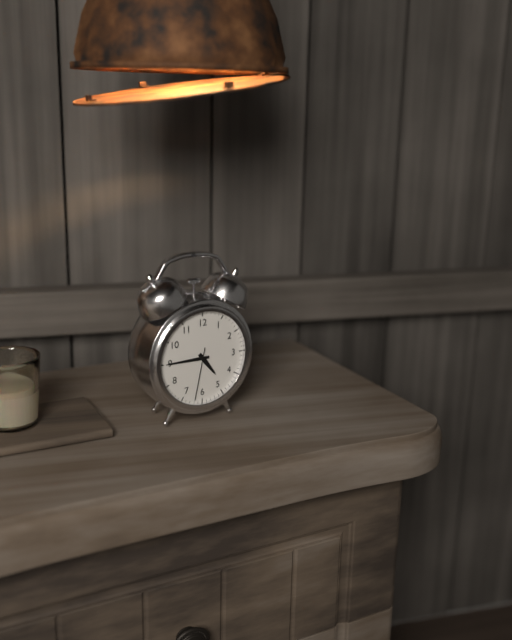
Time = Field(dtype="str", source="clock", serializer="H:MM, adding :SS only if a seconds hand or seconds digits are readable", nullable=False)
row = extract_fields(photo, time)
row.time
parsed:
4:45:32
